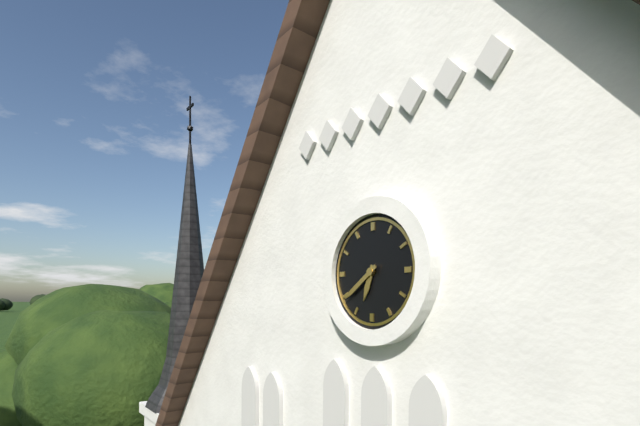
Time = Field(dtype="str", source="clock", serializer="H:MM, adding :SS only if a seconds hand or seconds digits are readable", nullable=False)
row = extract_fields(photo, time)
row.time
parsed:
6:39
